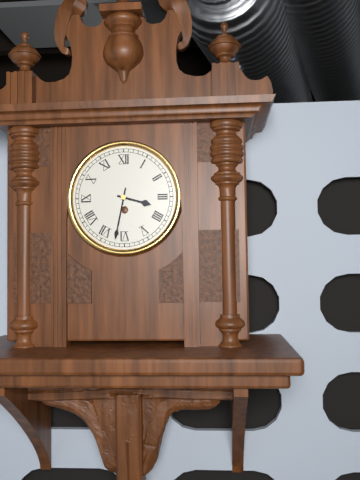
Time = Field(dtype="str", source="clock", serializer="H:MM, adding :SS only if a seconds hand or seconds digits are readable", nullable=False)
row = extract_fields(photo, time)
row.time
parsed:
3:32
